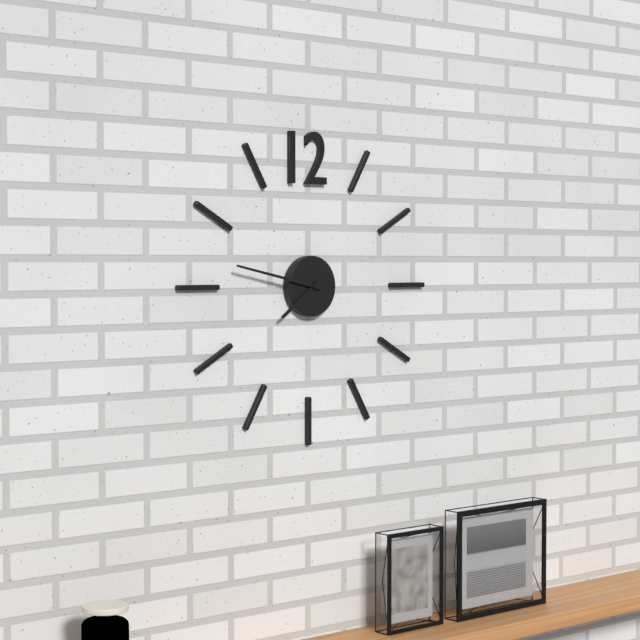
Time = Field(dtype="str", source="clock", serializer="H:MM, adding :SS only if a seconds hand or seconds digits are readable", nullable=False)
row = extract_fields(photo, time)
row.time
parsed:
7:47
